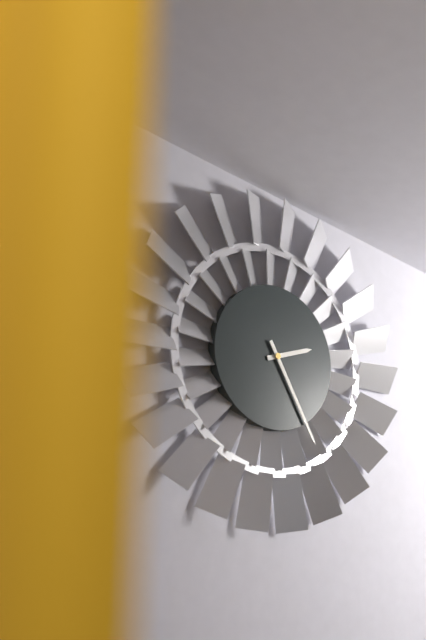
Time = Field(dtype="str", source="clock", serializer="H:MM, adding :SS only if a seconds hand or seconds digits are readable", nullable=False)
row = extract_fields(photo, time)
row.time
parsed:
2:25
